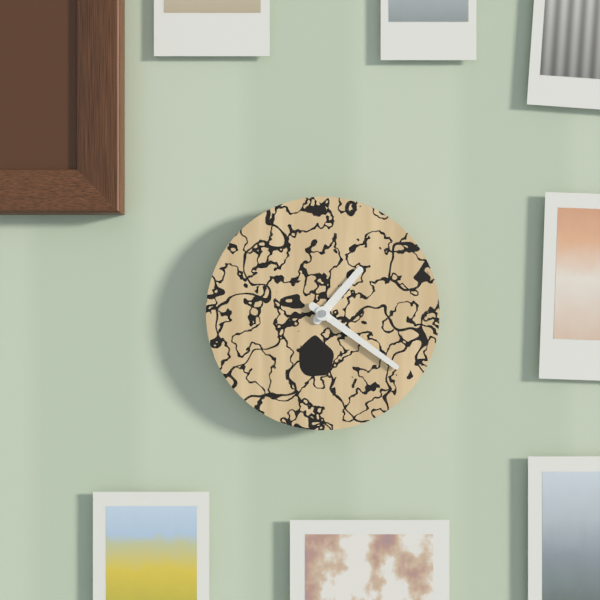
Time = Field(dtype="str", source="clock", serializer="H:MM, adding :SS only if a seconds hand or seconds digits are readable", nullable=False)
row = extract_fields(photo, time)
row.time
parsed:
1:21
